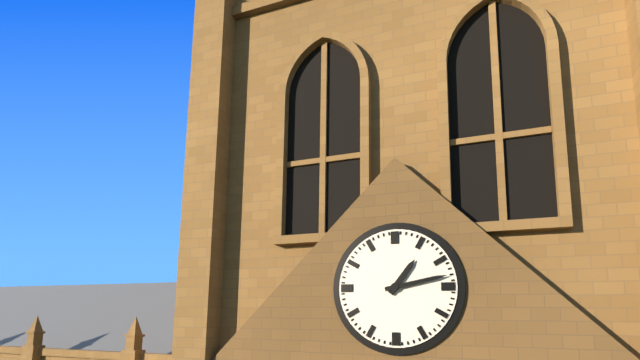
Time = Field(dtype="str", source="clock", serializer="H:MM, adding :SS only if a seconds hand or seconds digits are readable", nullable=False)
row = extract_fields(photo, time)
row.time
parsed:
1:13
